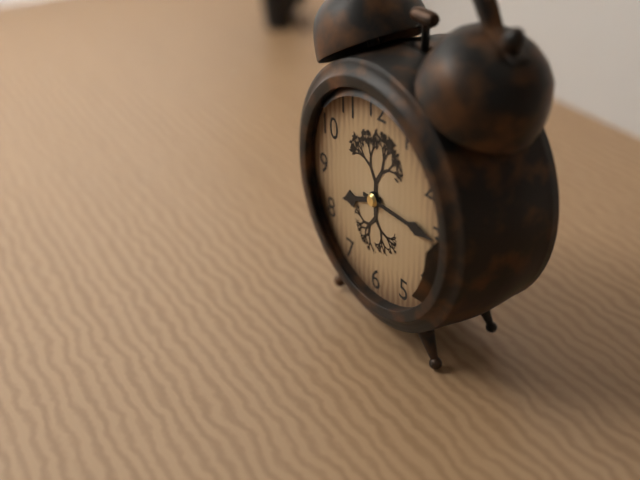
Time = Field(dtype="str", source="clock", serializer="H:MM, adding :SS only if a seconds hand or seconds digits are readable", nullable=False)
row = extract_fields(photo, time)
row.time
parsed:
8:15
